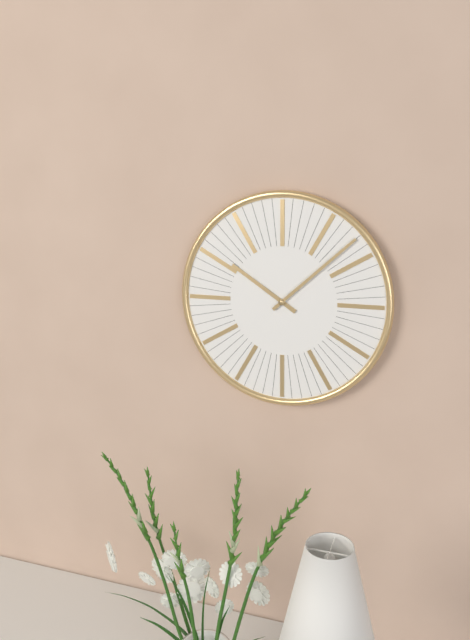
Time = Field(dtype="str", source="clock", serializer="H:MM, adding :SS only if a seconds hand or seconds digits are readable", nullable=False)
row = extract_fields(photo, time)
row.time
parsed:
10:08
